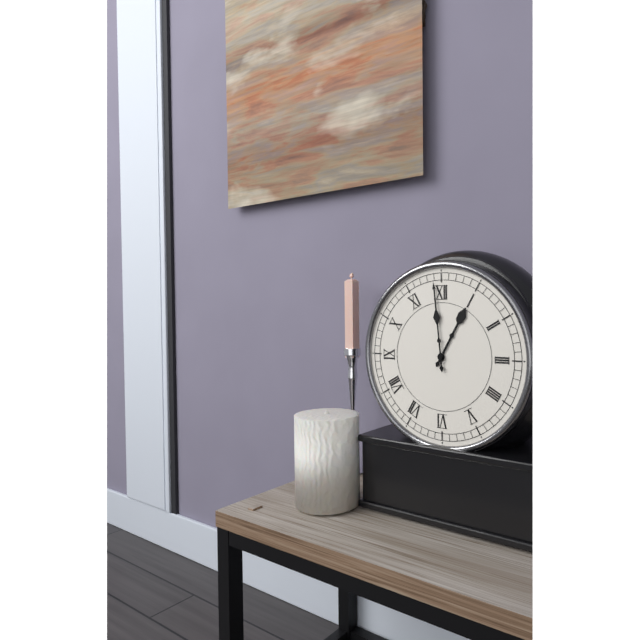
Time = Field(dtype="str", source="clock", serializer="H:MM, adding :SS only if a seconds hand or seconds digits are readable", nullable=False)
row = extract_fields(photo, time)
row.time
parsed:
12:59
